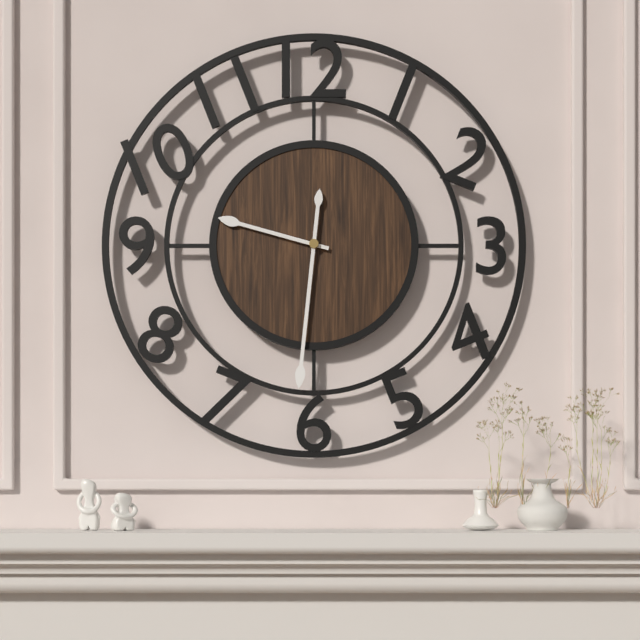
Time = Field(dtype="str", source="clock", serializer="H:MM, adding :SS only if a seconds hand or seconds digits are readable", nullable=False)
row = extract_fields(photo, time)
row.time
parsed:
9:31
